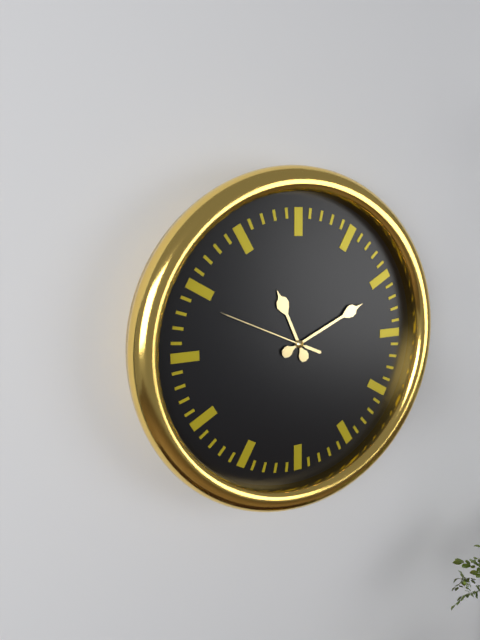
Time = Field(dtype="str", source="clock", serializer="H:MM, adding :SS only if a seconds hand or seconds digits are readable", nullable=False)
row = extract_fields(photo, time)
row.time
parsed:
11:11:49
